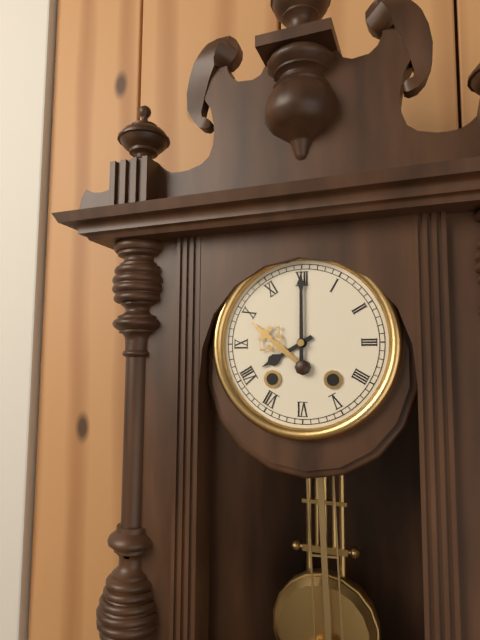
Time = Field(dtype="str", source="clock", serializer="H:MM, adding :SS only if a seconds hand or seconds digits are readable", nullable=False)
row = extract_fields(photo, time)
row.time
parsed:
8:00
